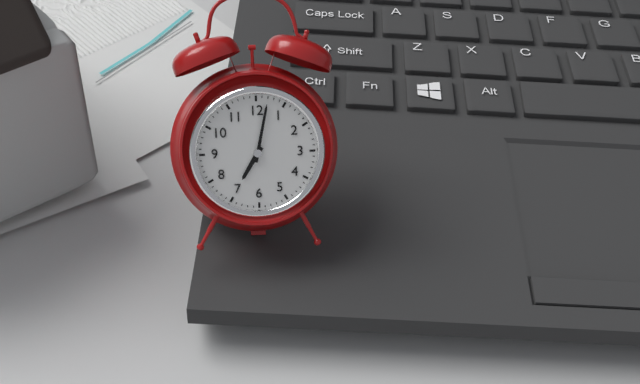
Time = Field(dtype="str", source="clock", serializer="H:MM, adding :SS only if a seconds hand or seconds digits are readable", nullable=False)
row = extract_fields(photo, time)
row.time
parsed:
7:02
